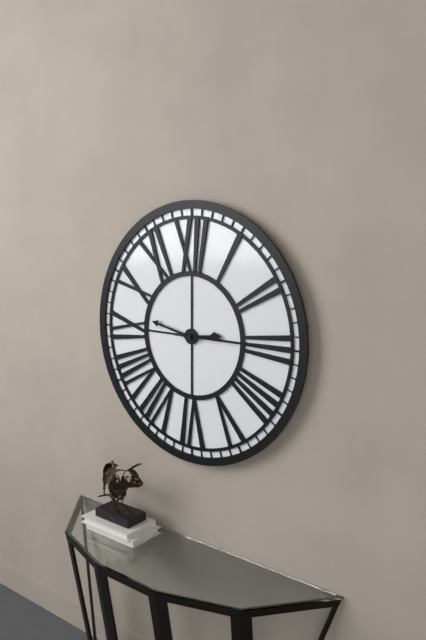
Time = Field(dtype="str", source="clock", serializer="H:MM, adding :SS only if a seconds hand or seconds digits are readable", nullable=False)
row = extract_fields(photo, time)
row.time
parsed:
2:47:15
